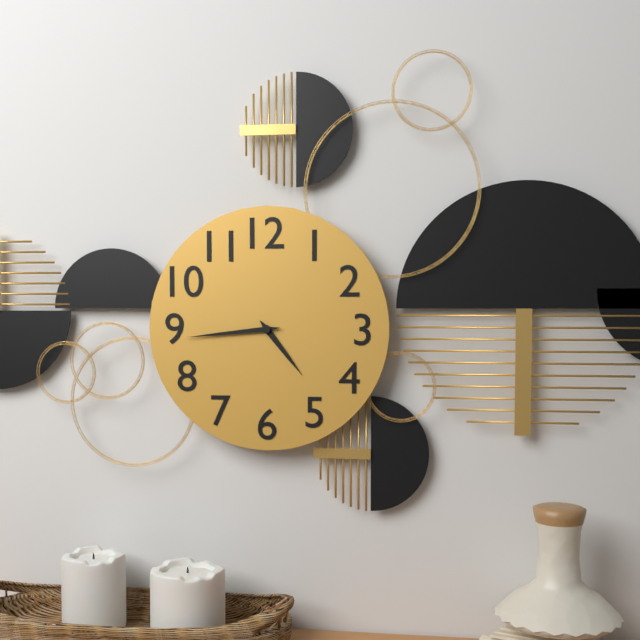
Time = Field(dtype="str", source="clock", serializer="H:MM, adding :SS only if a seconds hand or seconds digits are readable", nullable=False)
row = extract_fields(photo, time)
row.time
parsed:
4:44
